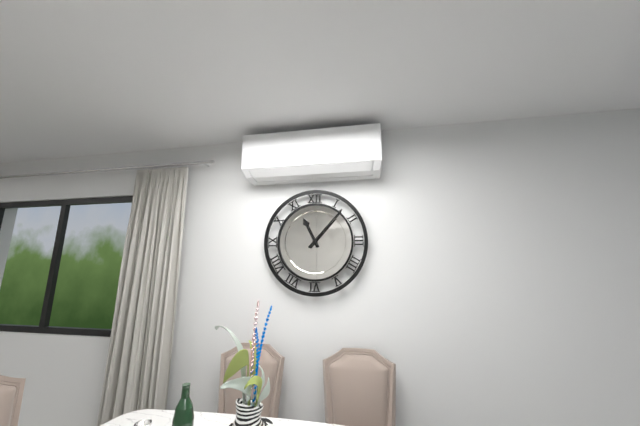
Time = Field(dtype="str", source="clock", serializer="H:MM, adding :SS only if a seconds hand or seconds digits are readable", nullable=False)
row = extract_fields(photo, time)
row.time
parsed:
11:07
